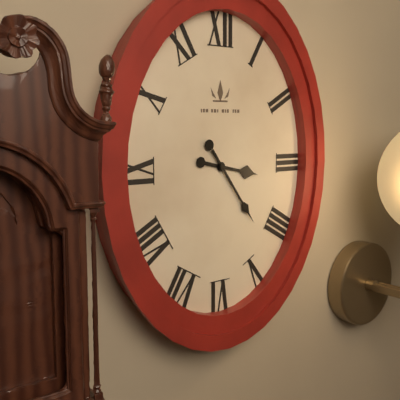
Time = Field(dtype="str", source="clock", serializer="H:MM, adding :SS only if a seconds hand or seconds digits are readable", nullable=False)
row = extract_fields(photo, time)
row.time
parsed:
3:24
